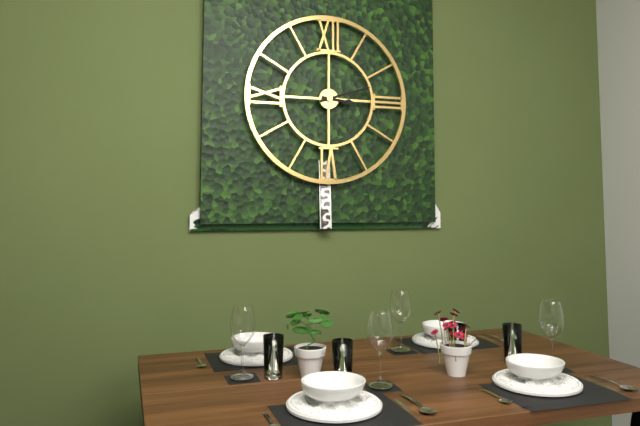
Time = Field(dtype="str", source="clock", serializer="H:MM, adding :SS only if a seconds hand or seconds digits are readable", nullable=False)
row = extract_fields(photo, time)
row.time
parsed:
3:12
